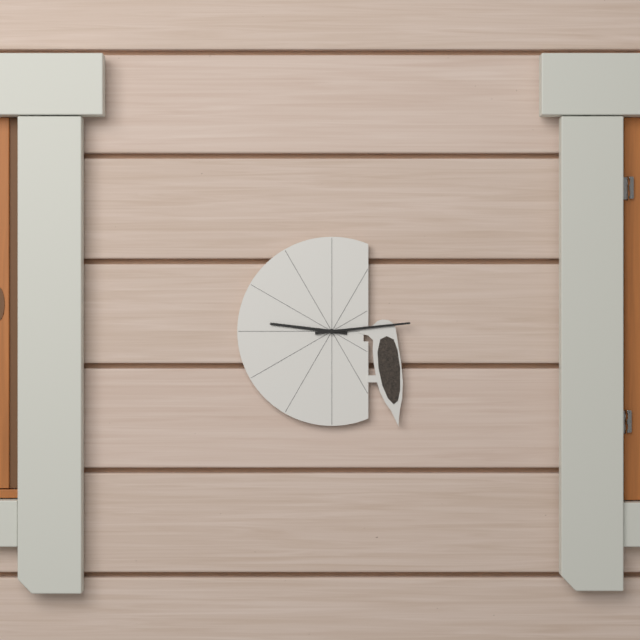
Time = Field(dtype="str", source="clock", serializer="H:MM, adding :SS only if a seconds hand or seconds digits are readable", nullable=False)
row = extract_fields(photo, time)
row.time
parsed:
9:14
